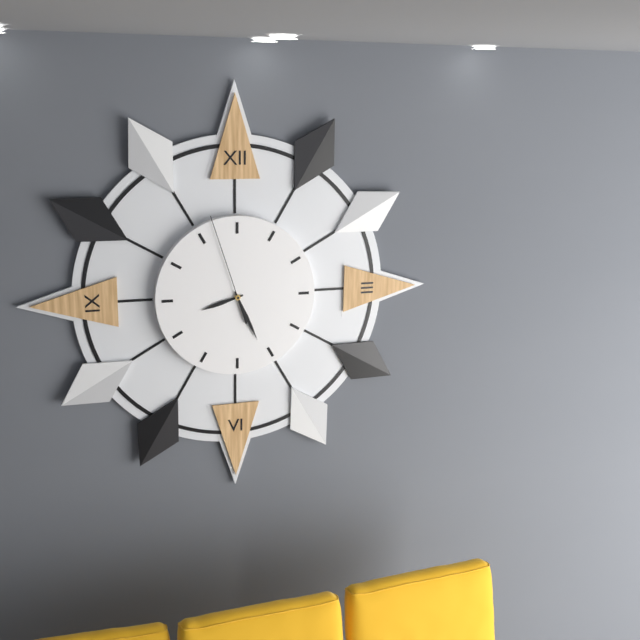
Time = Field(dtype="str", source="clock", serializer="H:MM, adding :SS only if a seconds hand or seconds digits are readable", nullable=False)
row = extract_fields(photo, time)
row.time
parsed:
8:26:57
